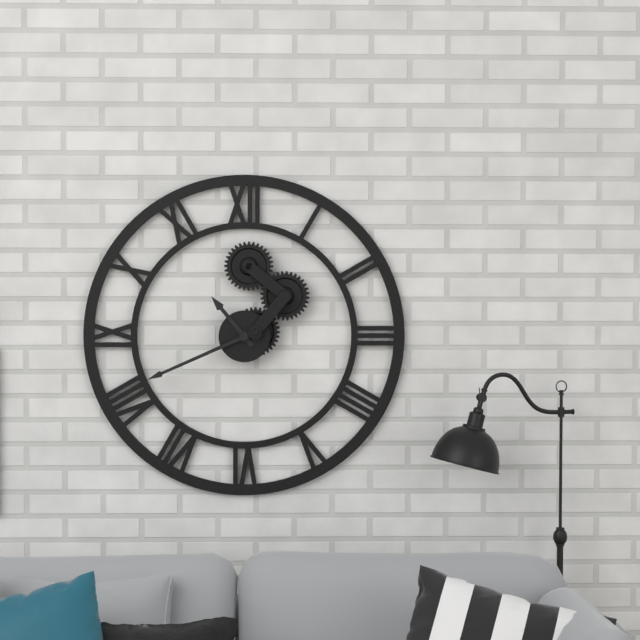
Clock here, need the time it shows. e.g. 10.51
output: 10.41
